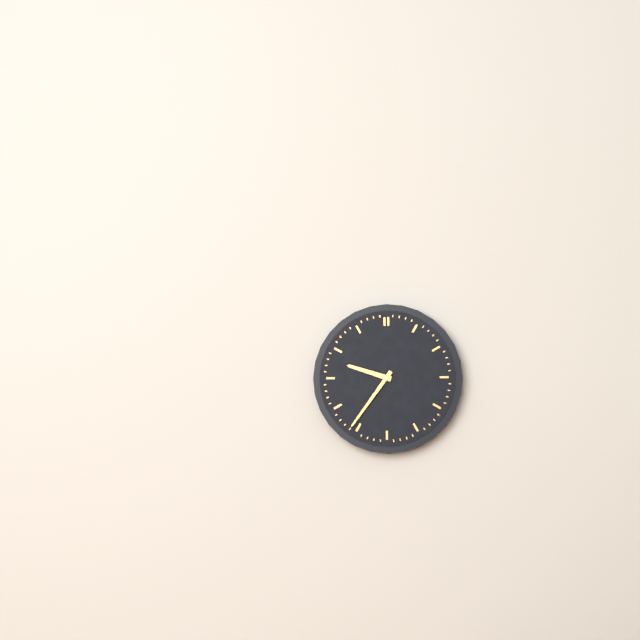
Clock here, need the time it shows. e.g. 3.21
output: 9.36
